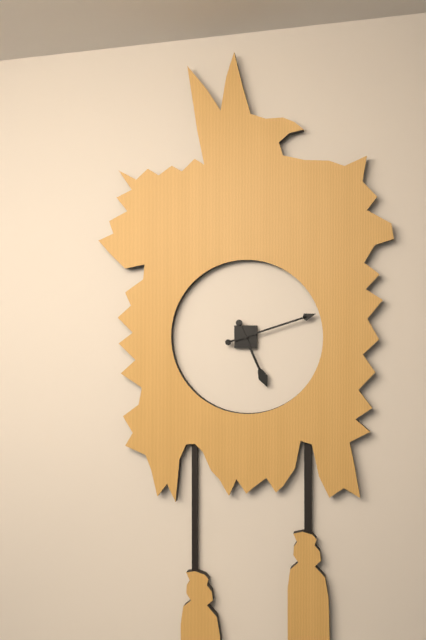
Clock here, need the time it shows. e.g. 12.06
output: 5.12
